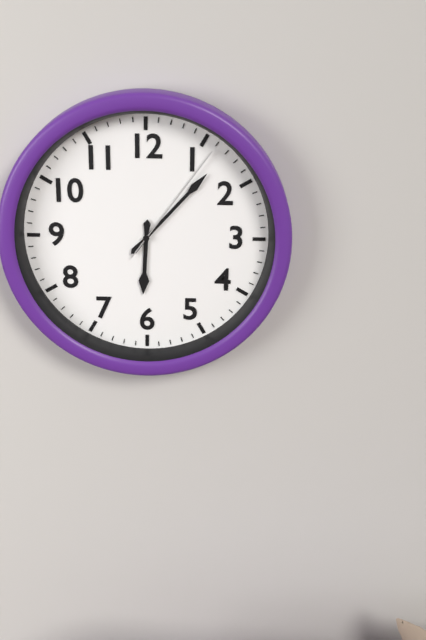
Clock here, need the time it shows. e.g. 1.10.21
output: 6.07.06
